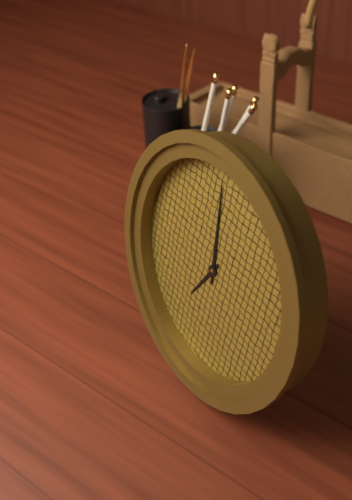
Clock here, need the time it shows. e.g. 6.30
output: 6.59
